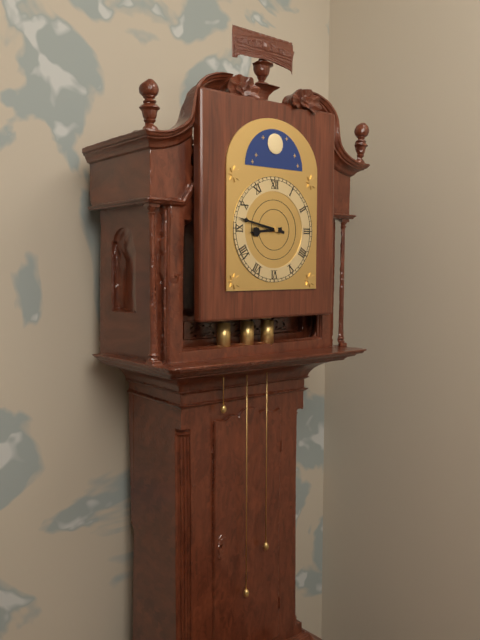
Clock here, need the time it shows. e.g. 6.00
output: 8.47
